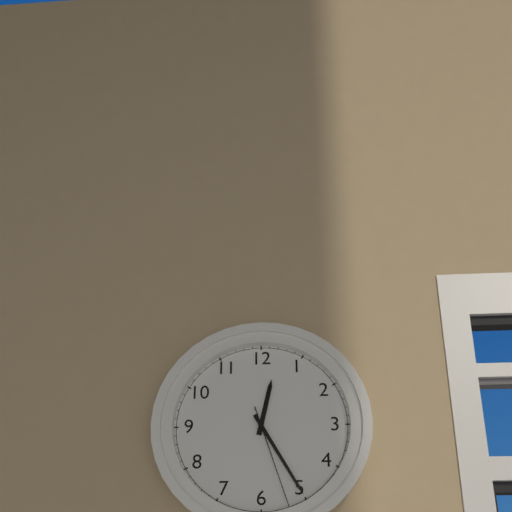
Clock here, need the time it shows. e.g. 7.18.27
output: 12.25.27
